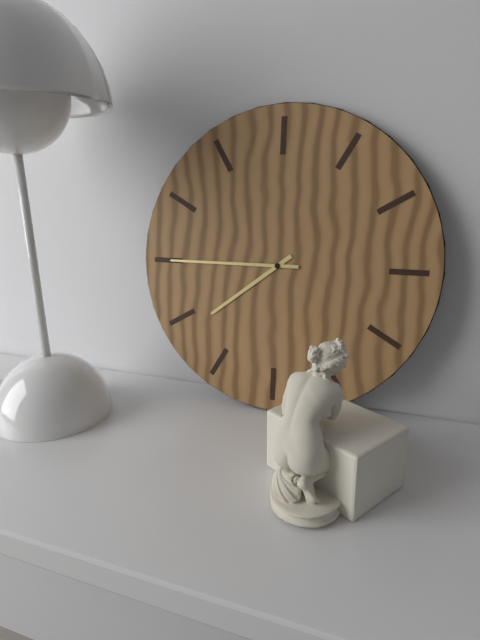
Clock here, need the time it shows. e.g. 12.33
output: 7.45
